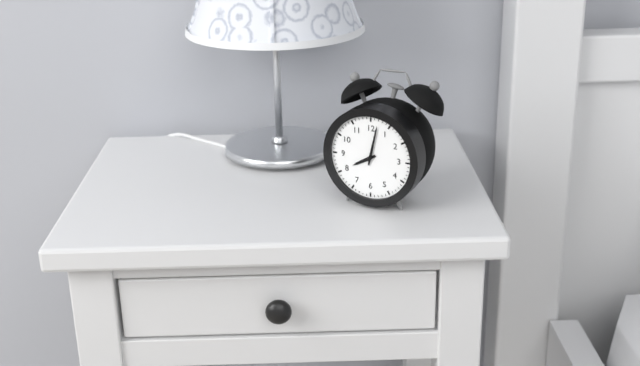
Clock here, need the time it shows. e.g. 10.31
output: 8.02
